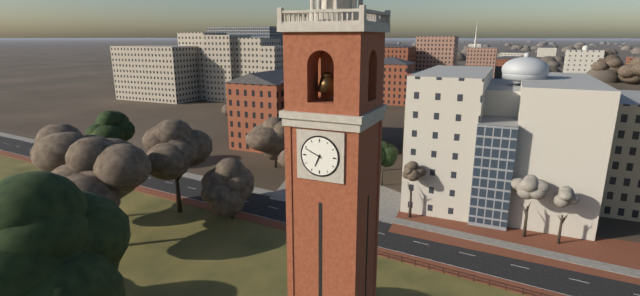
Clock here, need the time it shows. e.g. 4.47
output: 6.49
